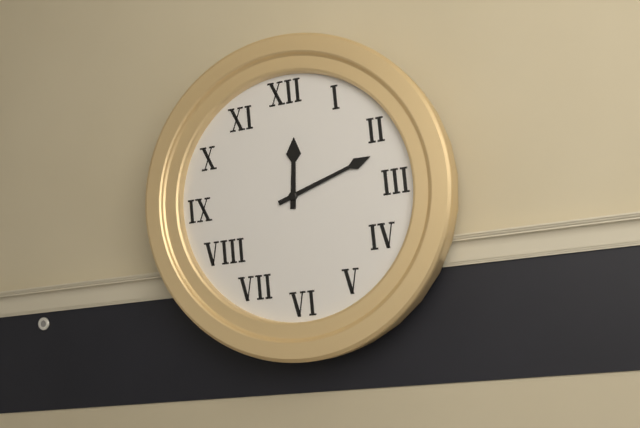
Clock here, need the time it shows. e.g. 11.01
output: 12.12
